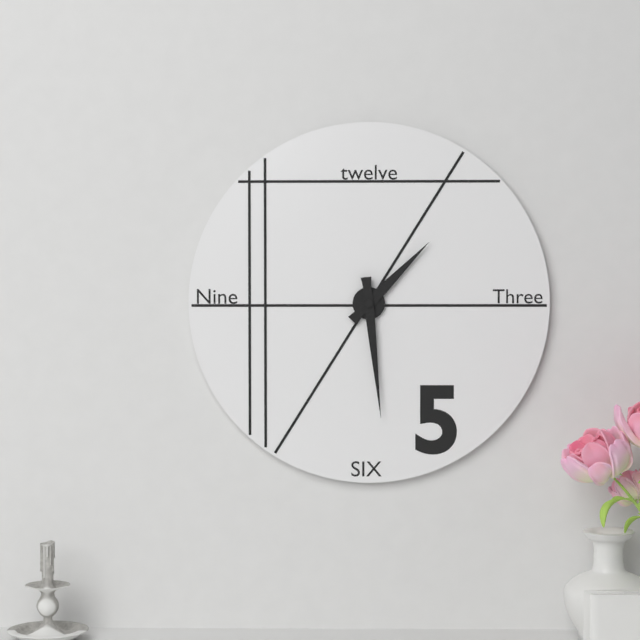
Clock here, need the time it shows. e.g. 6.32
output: 1.29
